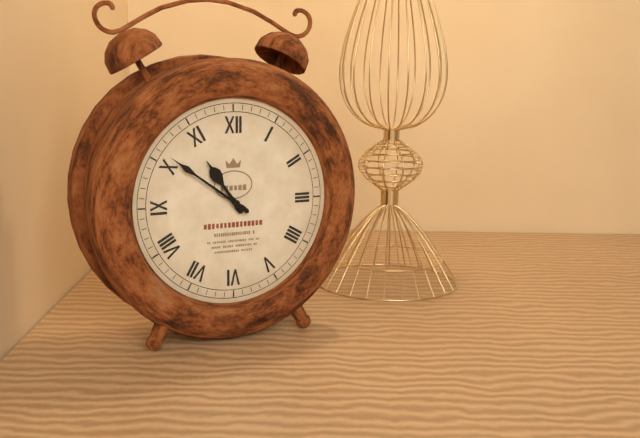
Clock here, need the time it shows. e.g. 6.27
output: 10.51
